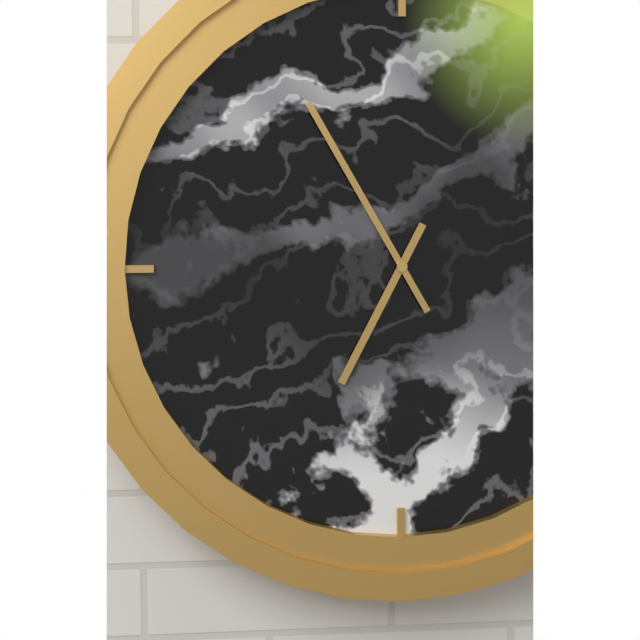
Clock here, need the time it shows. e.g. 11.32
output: 6.55
